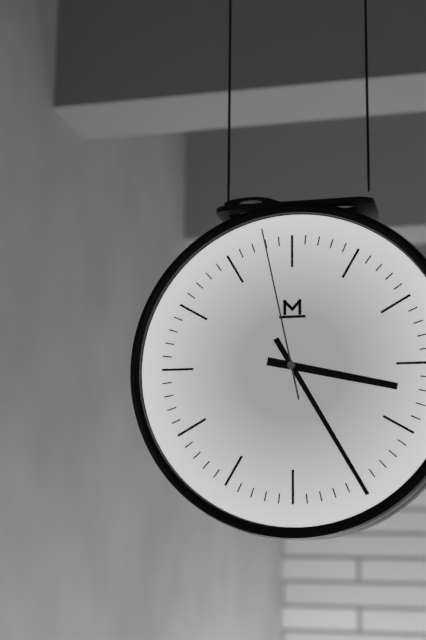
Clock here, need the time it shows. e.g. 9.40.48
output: 3.25.58
